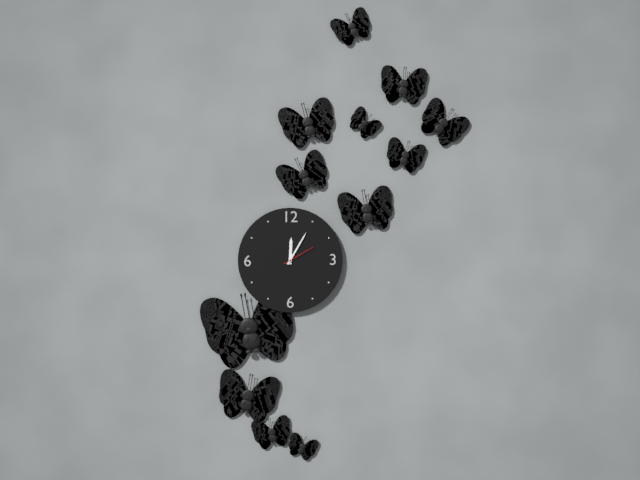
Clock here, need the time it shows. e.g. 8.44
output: 12.05
